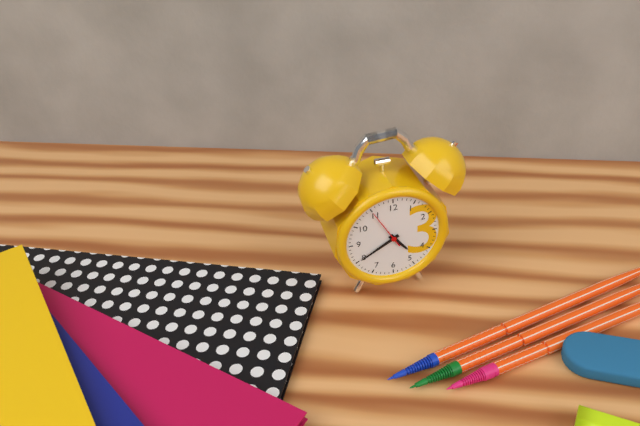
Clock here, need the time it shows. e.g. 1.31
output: 4.40
